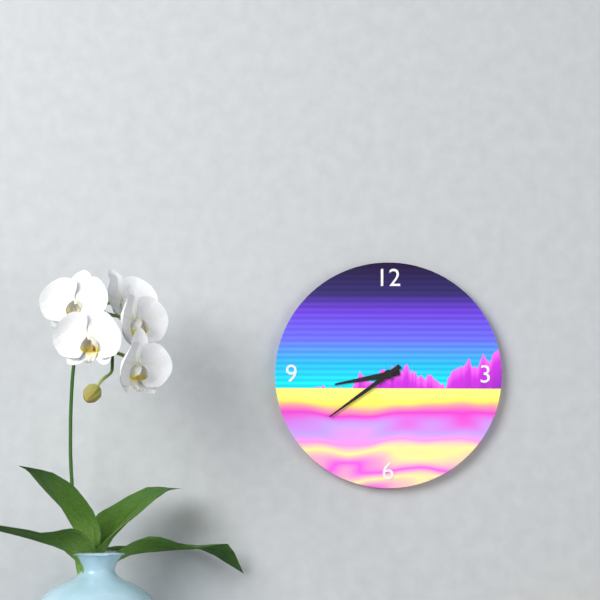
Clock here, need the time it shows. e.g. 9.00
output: 8.39
